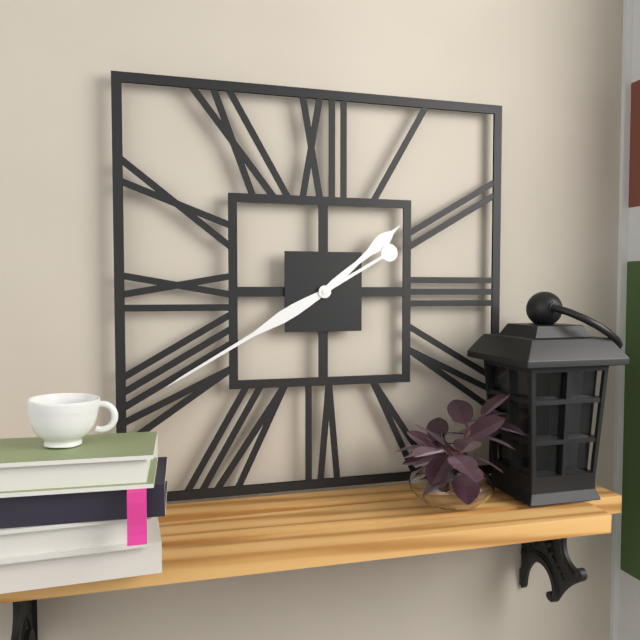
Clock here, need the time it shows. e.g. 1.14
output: 1.40
